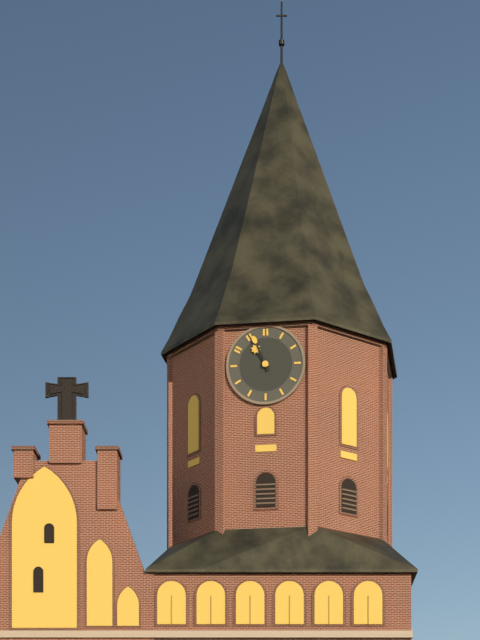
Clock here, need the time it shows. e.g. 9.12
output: 10.56
